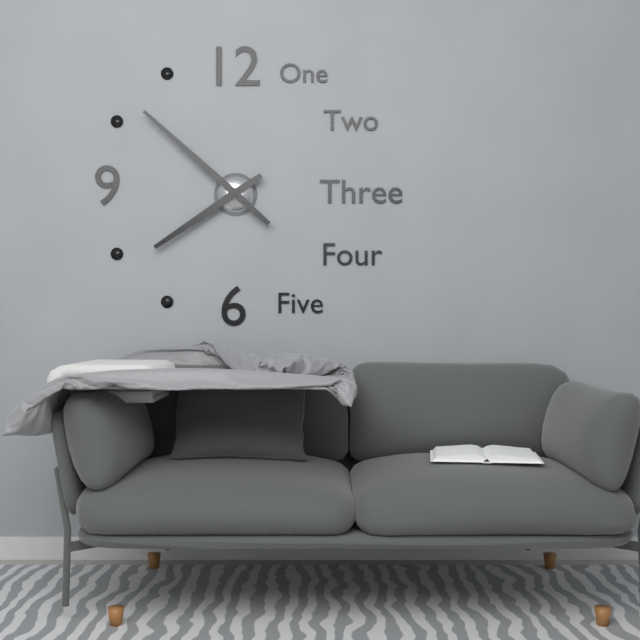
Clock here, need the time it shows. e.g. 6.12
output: 7.52
